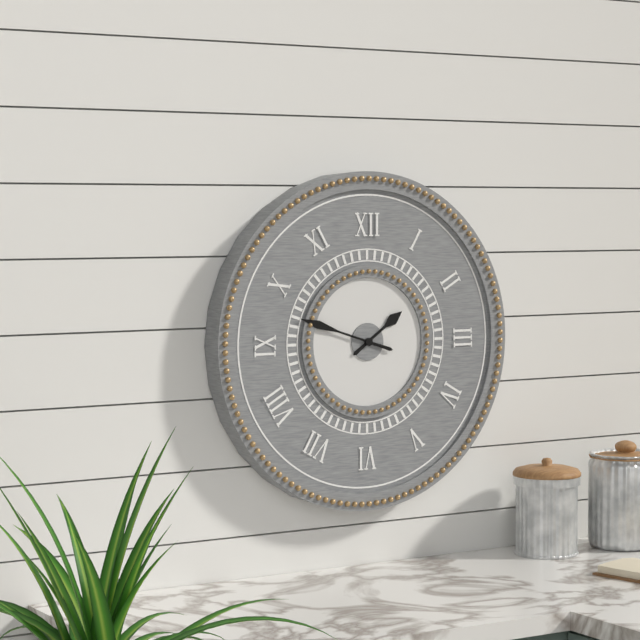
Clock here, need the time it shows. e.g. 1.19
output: 1.48
